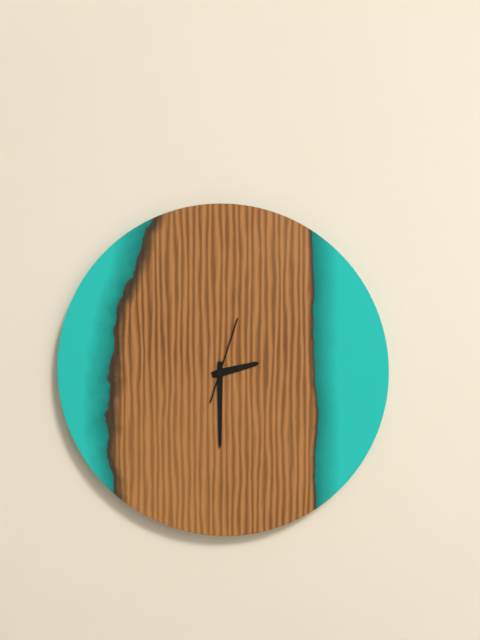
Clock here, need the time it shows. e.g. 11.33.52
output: 2.30.03
